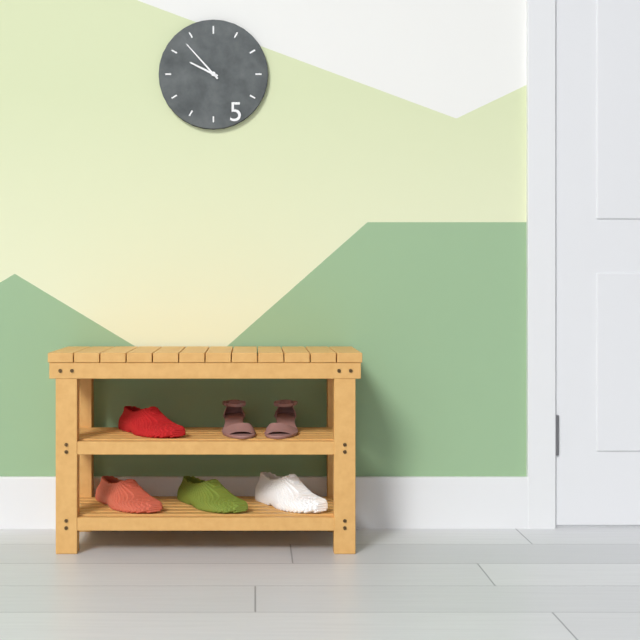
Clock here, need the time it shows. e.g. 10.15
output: 9.53
